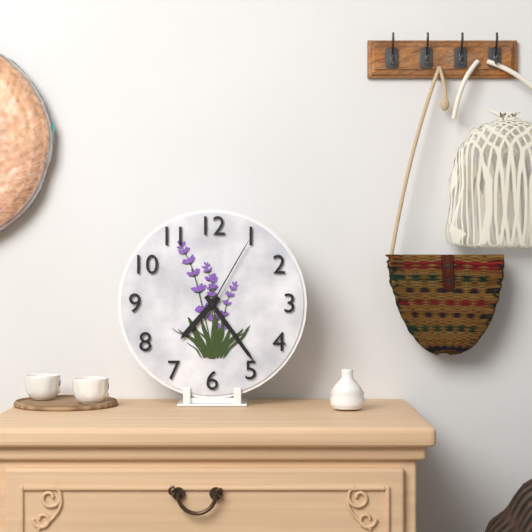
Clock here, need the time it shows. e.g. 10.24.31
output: 7.24.05
